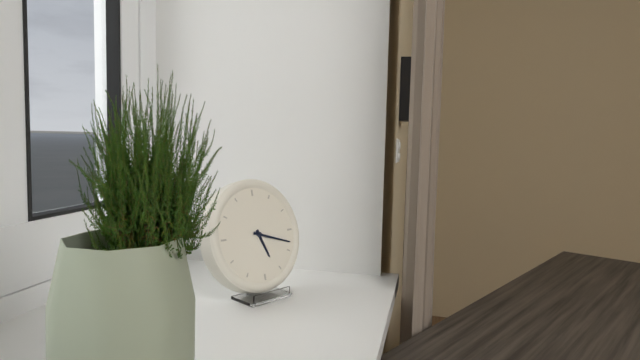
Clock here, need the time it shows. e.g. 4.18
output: 5.18
